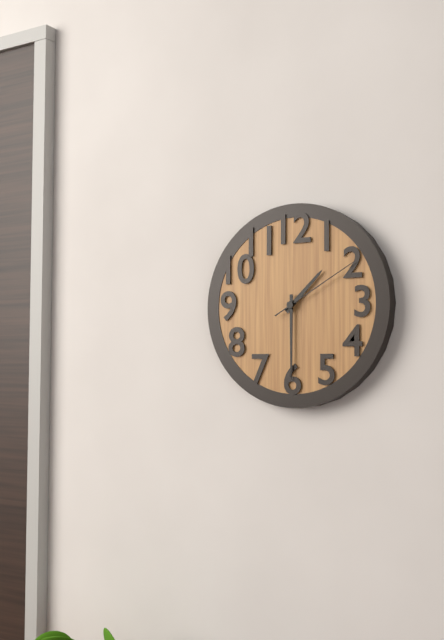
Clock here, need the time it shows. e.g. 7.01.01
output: 1.30.10
